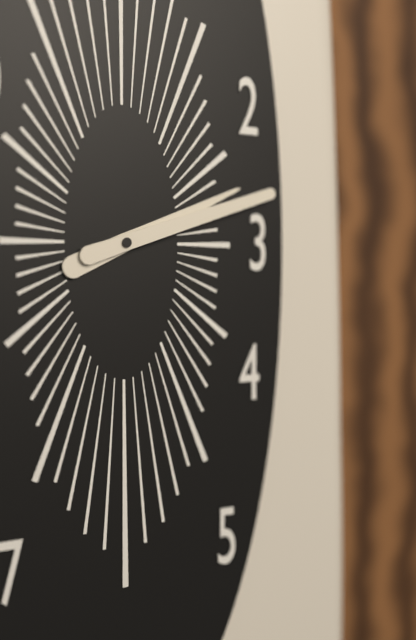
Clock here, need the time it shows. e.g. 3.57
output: 2.12
